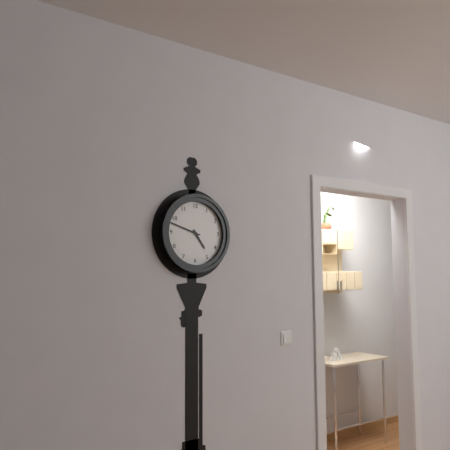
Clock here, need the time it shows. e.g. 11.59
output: 4.48
